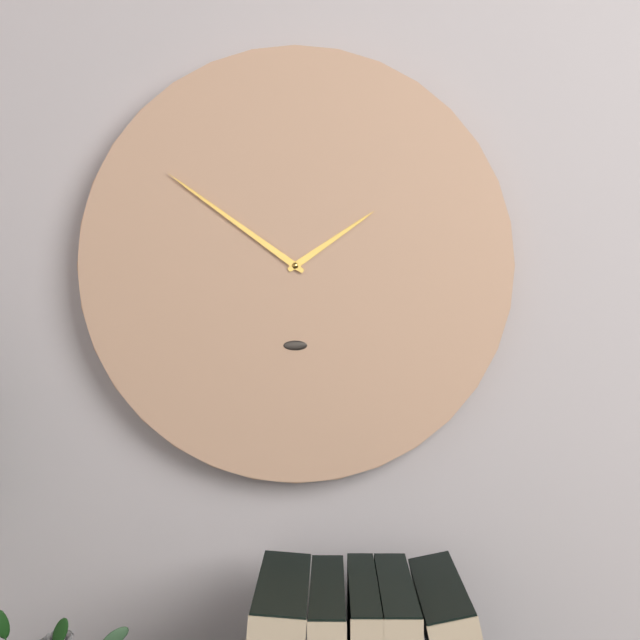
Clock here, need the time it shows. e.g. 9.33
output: 1.51
